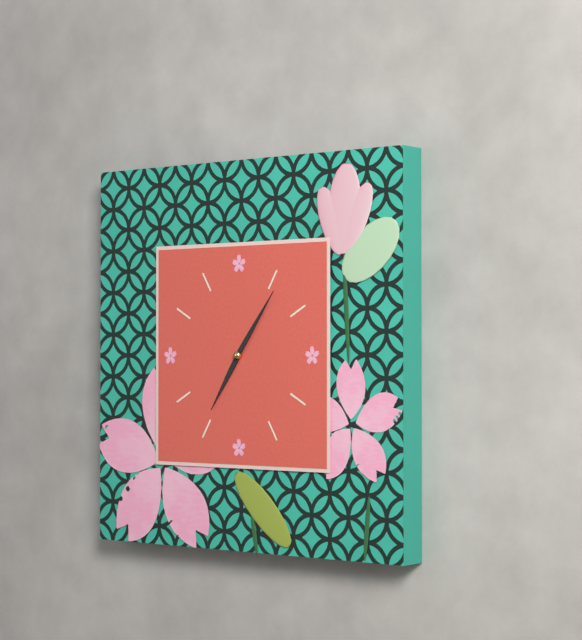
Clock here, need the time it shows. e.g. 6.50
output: 7.06
